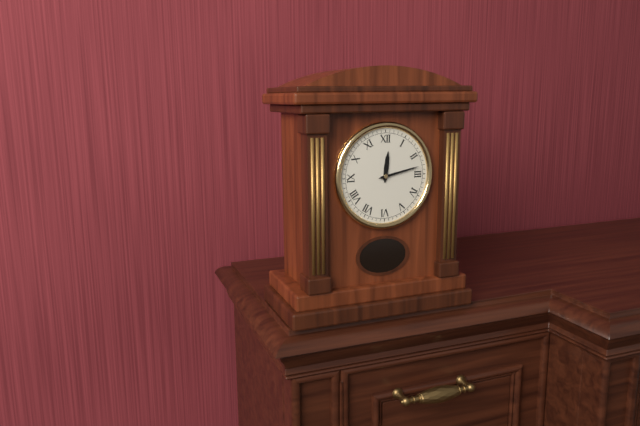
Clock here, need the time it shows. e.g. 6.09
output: 12.13
